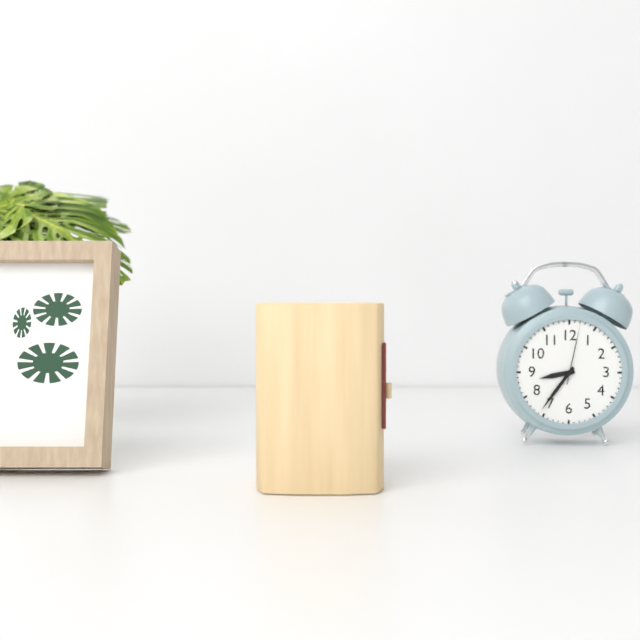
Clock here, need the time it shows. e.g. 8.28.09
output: 8.36.02
